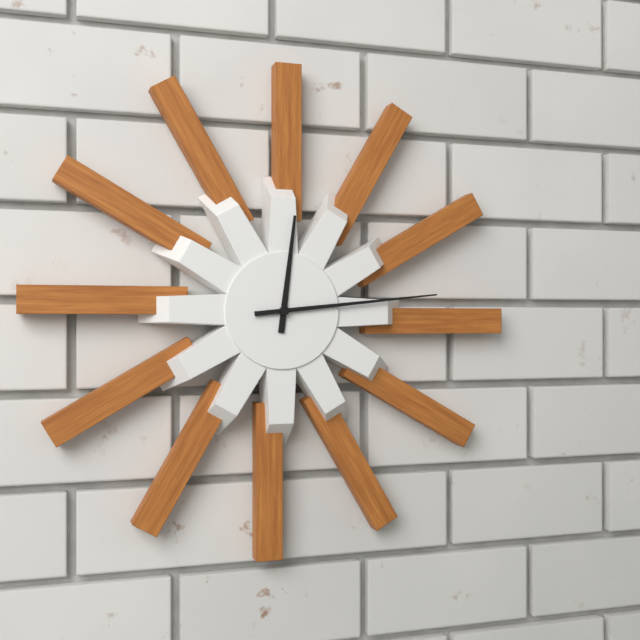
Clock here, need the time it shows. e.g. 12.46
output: 12.14
